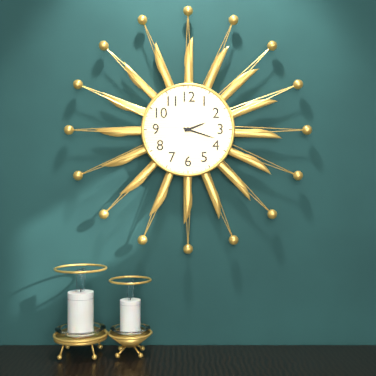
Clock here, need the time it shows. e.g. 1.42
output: 2.18
